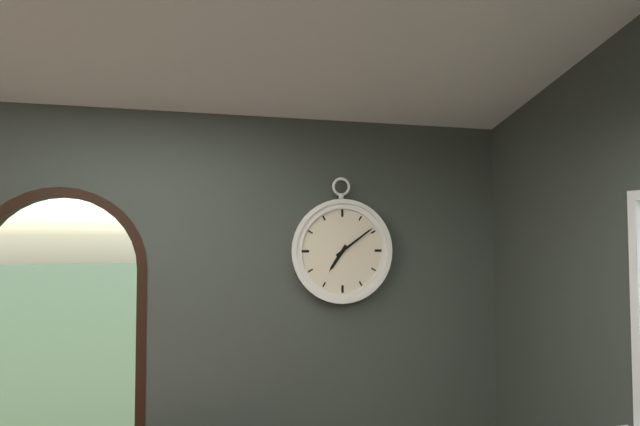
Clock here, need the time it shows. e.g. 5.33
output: 7.09
